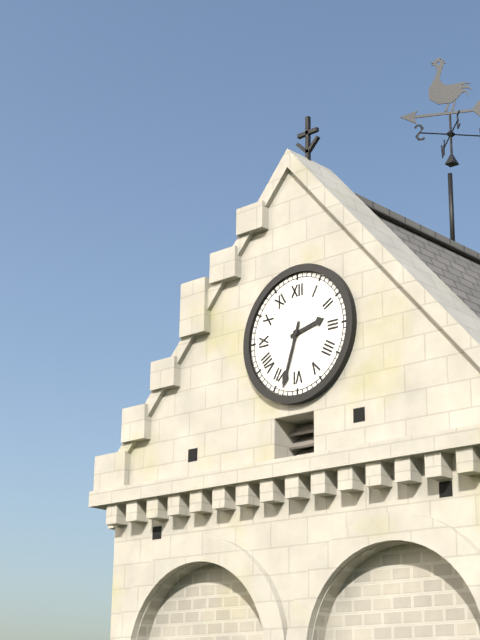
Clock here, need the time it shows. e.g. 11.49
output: 2.33
